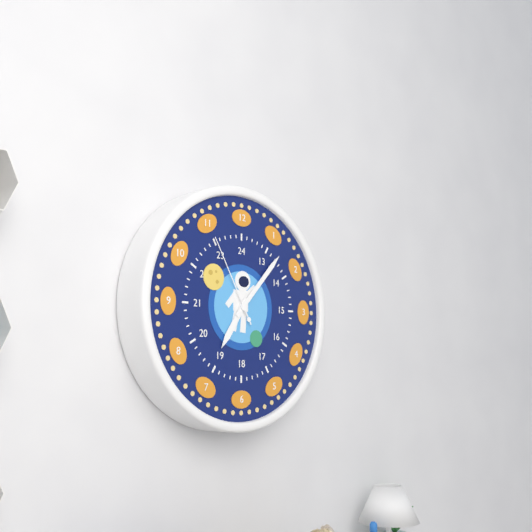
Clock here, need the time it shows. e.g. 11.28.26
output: 7.07.55
